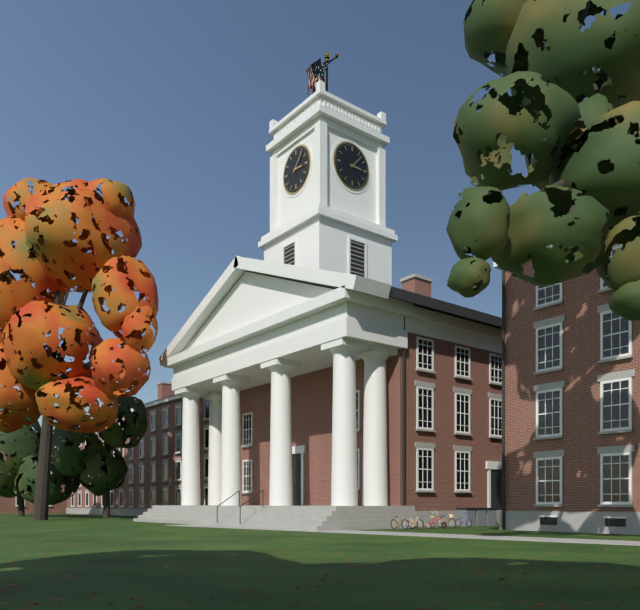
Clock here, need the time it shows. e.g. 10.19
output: 3.07
